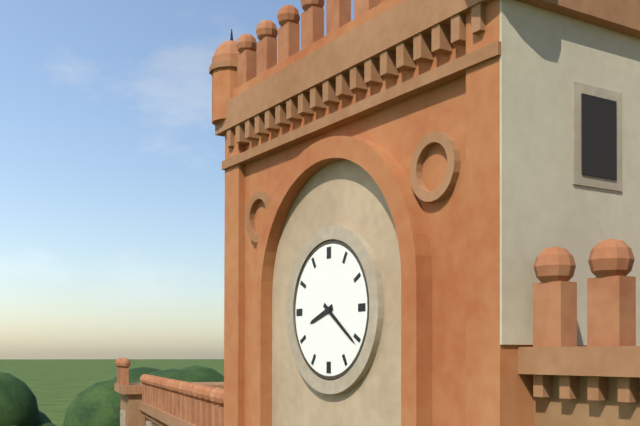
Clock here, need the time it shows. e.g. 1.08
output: 8.21
